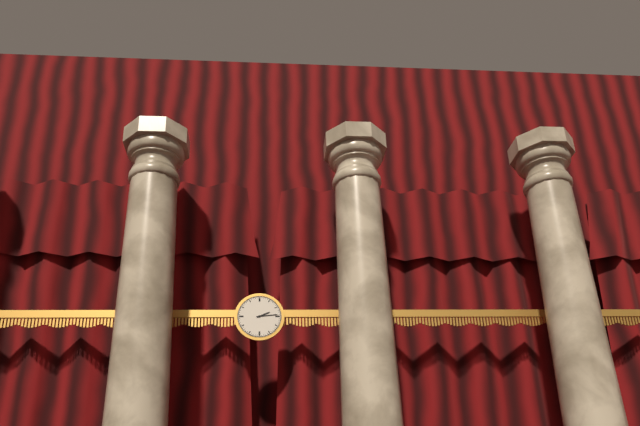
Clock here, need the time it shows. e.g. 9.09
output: 2.14
